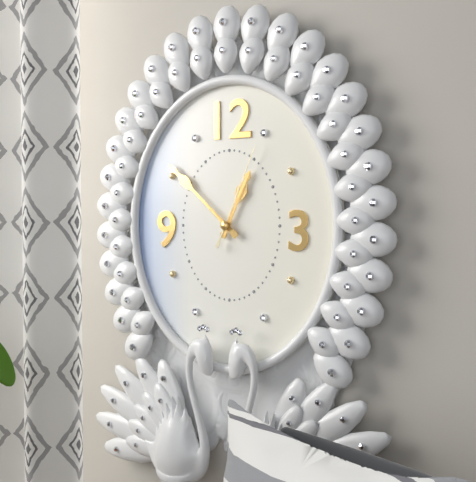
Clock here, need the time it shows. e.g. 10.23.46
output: 12.52.04
